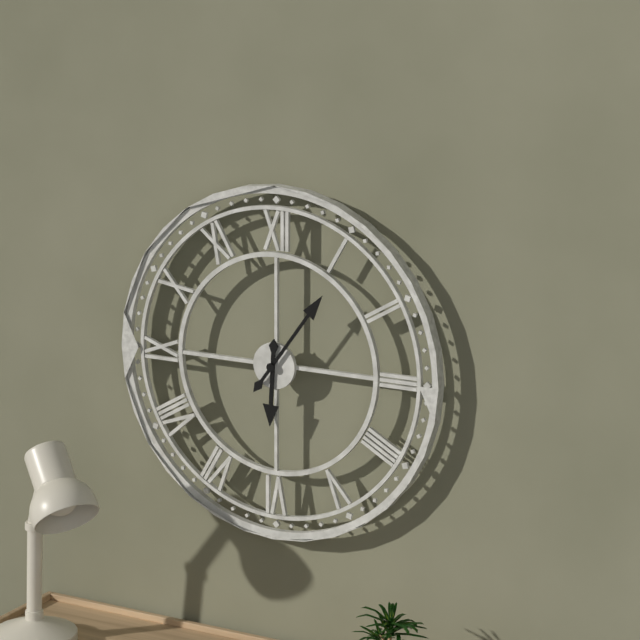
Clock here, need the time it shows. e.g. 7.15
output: 6.06
